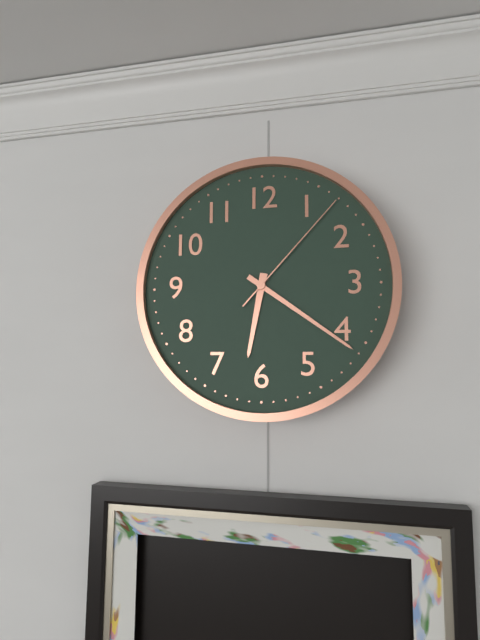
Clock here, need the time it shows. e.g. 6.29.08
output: 6.21.07
